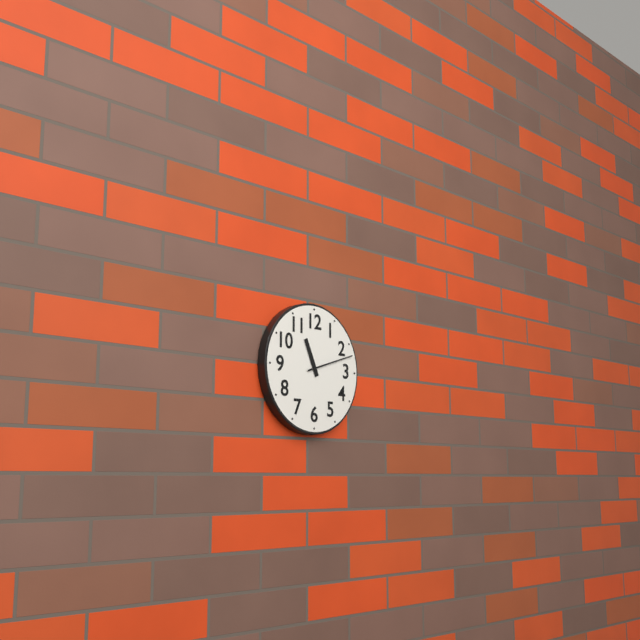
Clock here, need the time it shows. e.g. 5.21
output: 11.12
